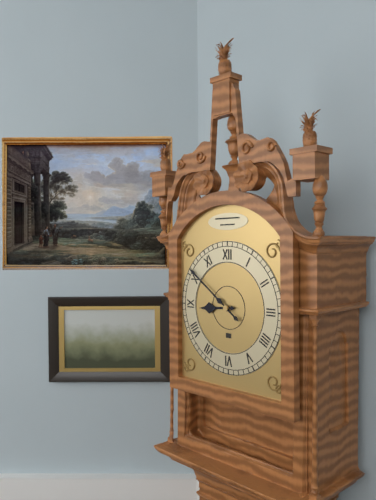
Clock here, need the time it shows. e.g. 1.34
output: 8.51
